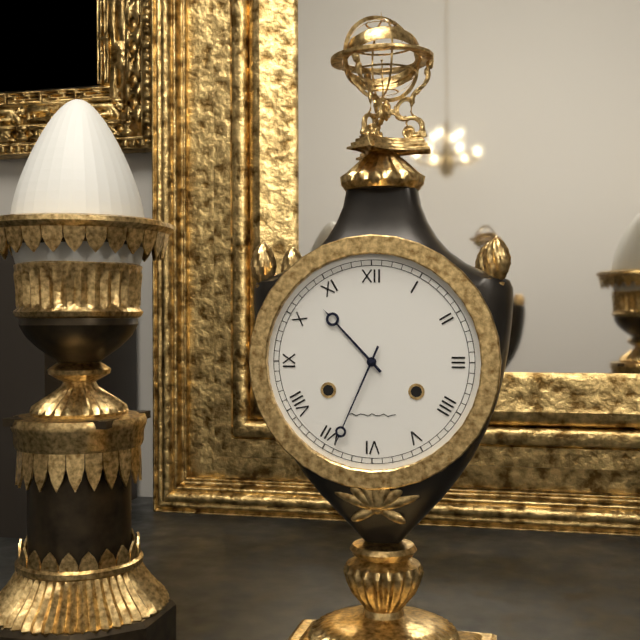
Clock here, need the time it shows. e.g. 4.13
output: 10.34
